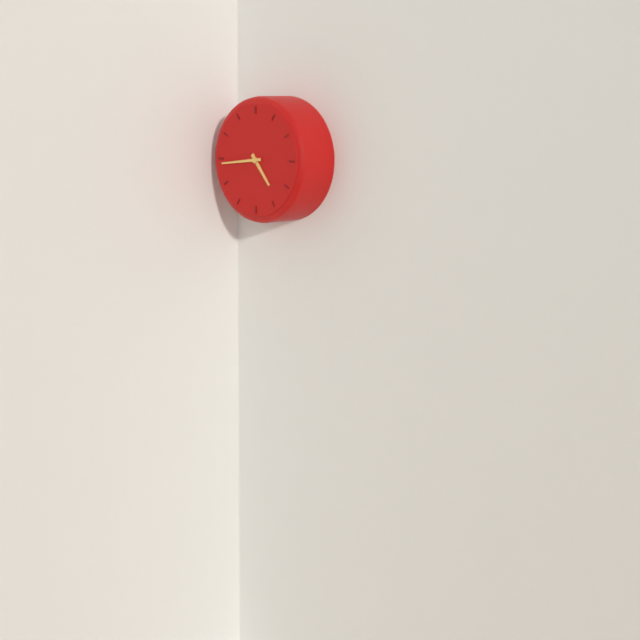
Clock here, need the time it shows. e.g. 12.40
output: 4.44
